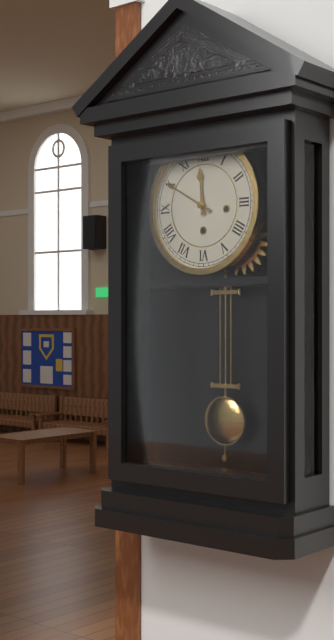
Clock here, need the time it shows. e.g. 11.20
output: 11.50
